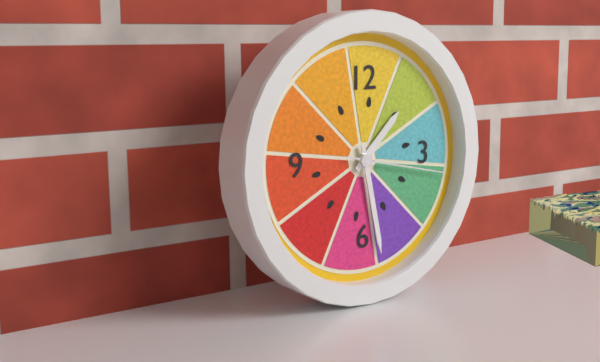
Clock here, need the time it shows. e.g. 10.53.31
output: 1.28.17
